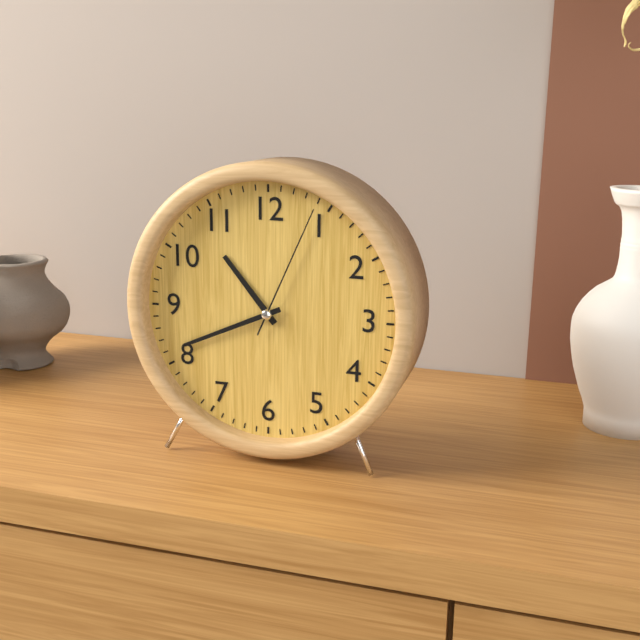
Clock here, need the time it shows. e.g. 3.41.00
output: 10.41.04
